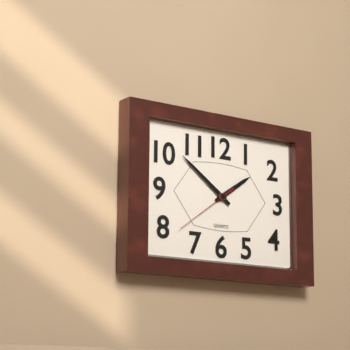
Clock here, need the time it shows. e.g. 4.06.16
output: 1.51.39
